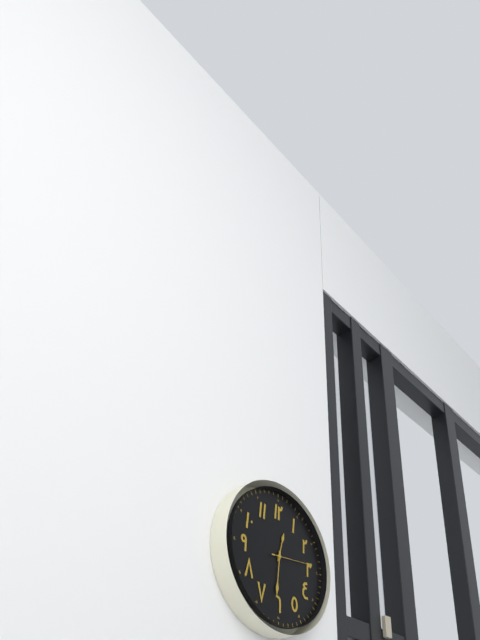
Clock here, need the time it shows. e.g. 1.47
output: 12.31
